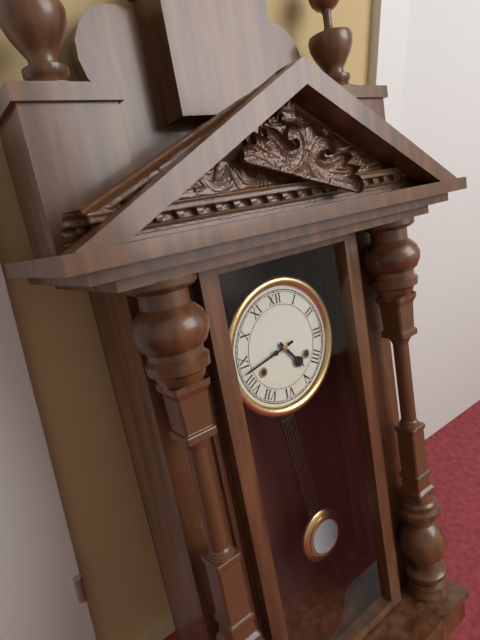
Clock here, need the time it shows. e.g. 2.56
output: 4.43
